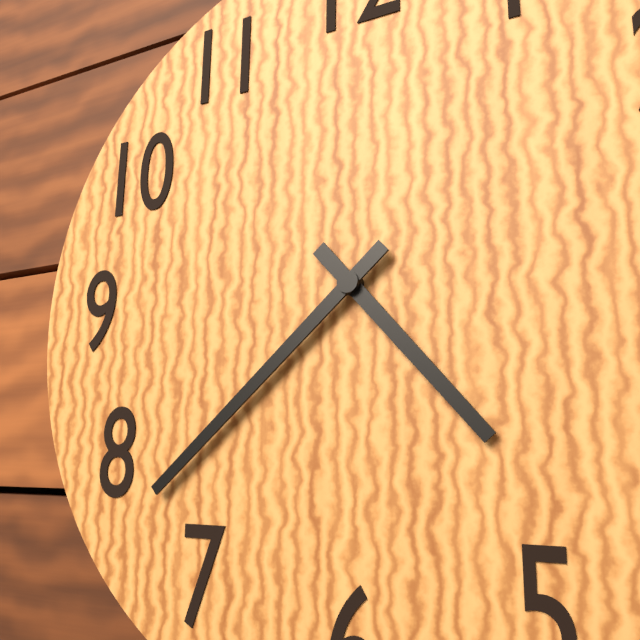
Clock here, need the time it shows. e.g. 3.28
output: 4.38
